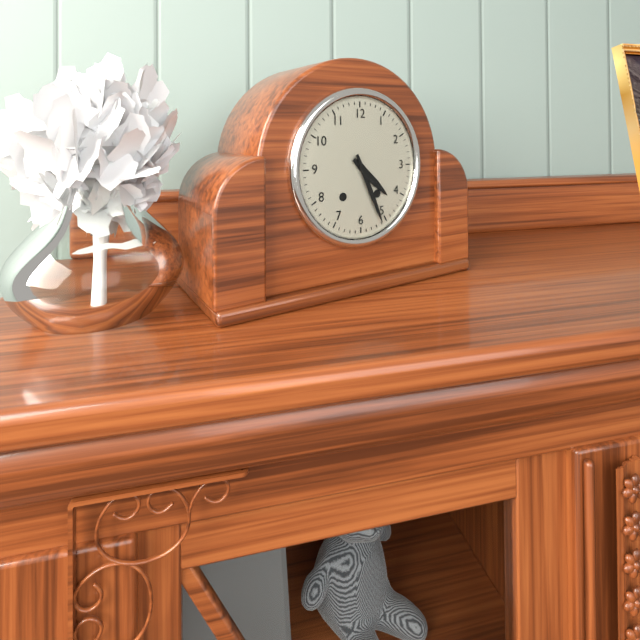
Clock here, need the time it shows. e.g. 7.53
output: 4.26
